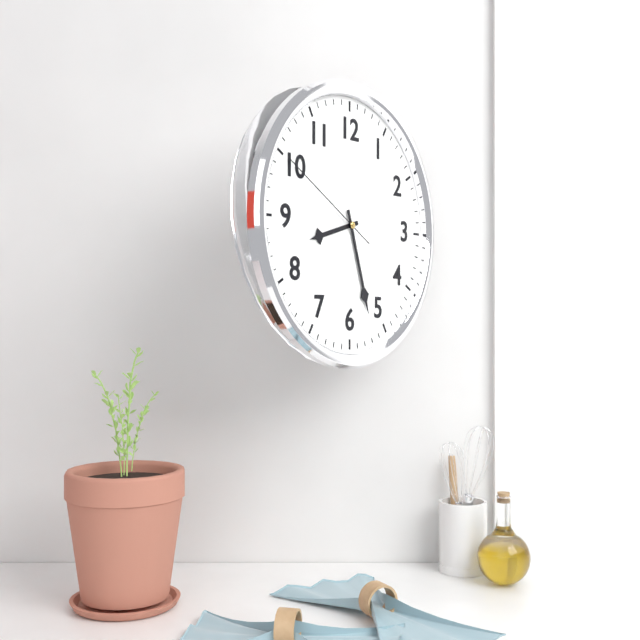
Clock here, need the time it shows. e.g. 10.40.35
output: 8.27.50
